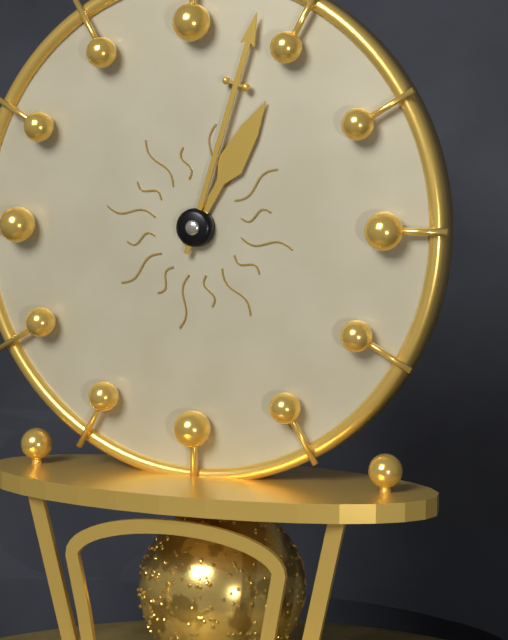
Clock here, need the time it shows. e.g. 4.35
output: 1.03
